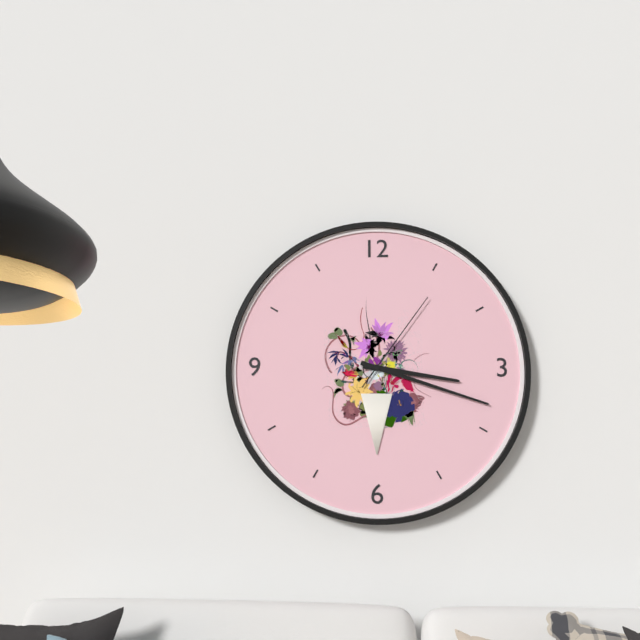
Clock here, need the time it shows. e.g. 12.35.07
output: 3.18.06
